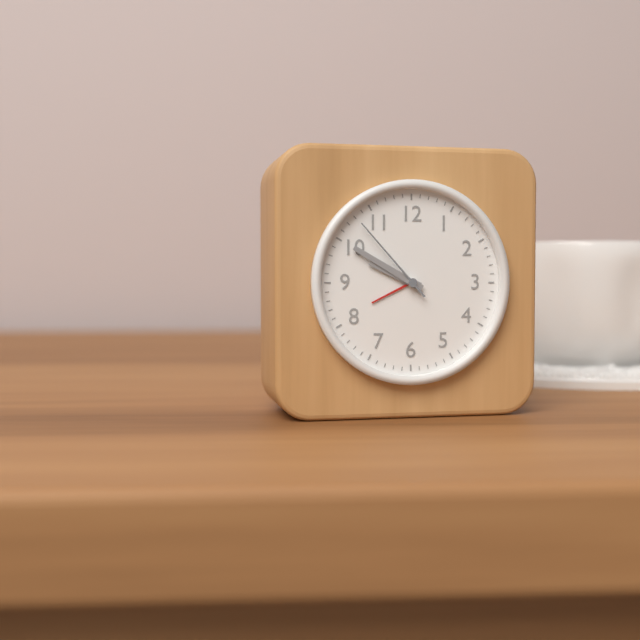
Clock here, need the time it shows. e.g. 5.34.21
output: 9.50.53
